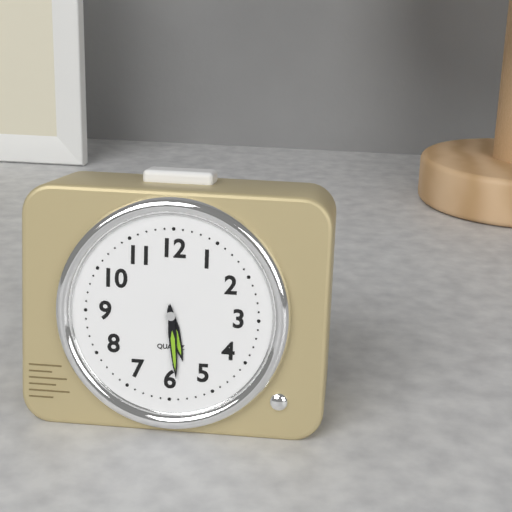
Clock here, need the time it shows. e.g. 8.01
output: 5.29
